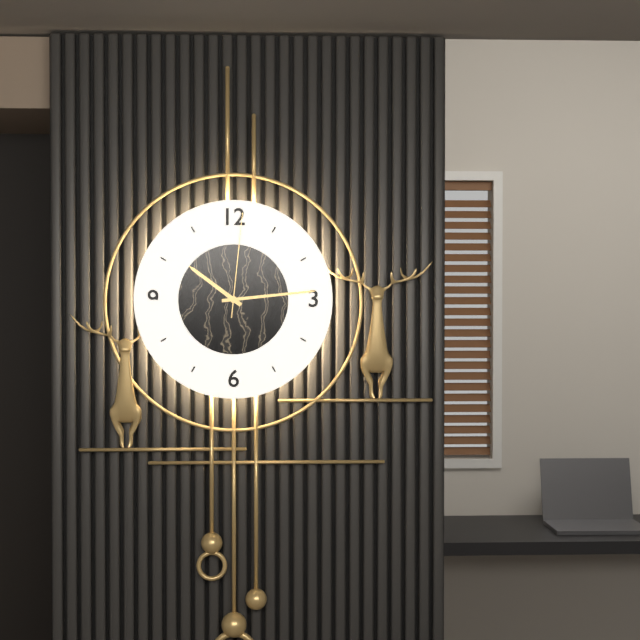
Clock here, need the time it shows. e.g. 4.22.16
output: 10.14.01
